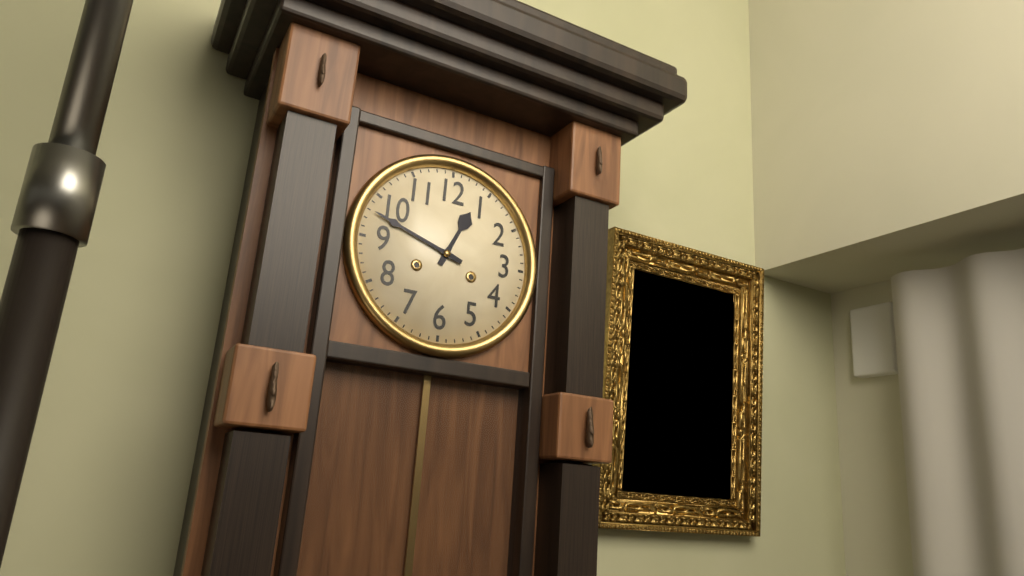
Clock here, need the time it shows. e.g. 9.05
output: 12.48
